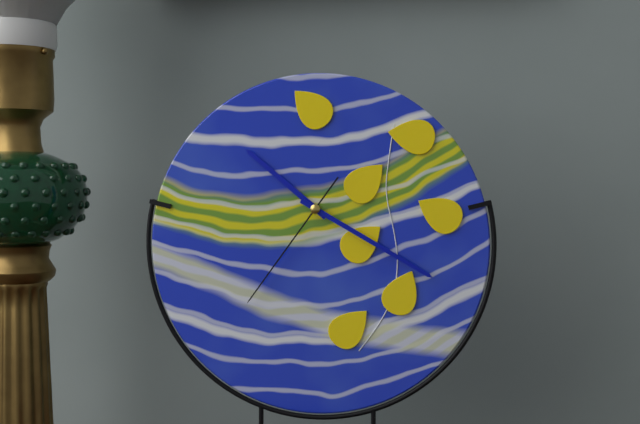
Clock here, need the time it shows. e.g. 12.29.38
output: 10.20.36
